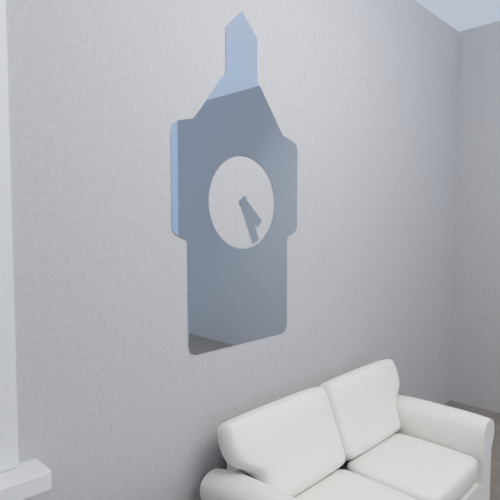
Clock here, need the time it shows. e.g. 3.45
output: 4.26
